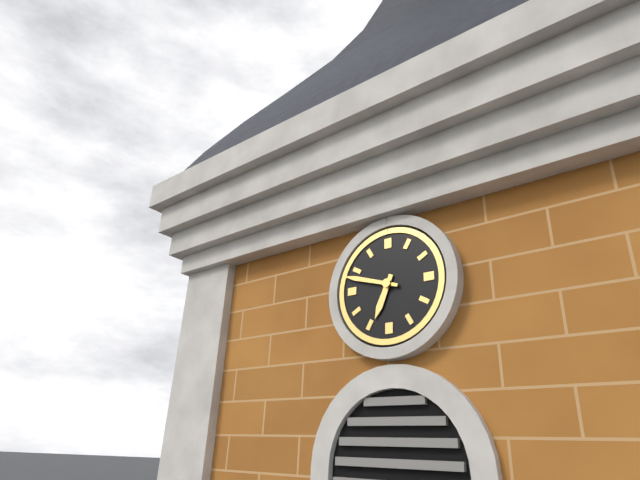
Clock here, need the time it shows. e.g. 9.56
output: 6.48
